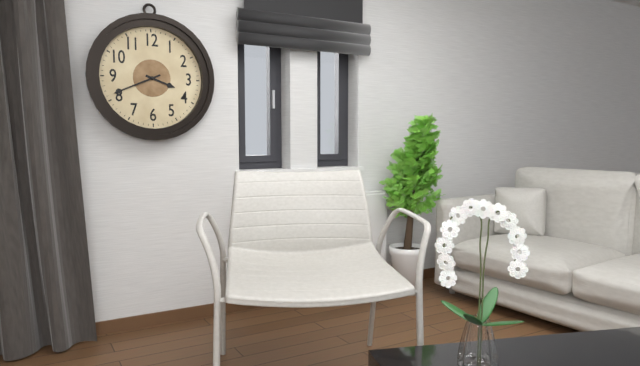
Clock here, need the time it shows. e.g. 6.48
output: 3.41
